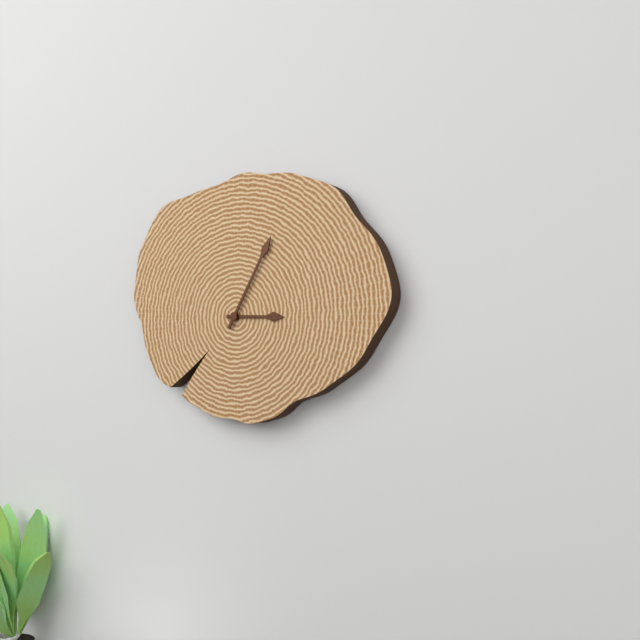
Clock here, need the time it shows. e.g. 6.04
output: 3.05
